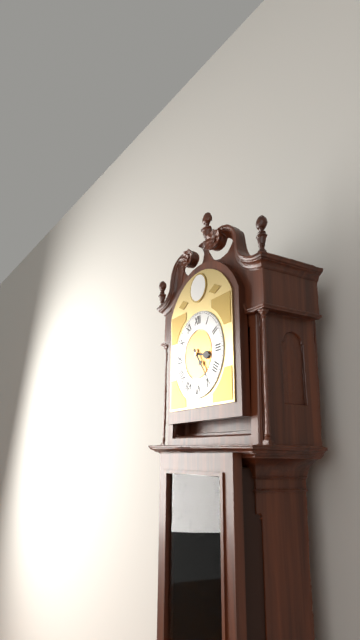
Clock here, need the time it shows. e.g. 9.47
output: 3.24
